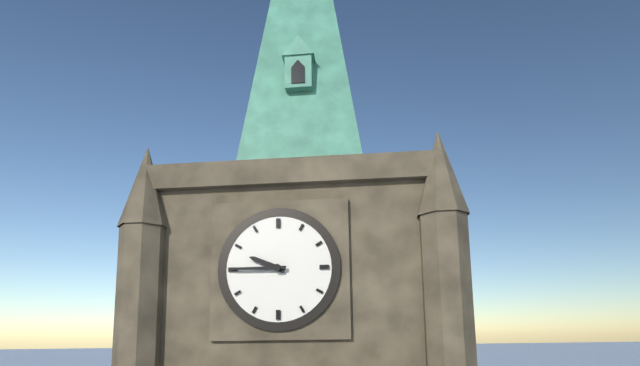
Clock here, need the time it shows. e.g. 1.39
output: 9.45
